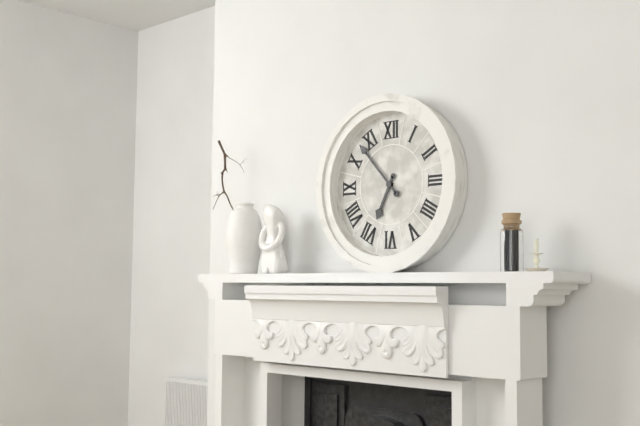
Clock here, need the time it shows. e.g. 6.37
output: 6.53
